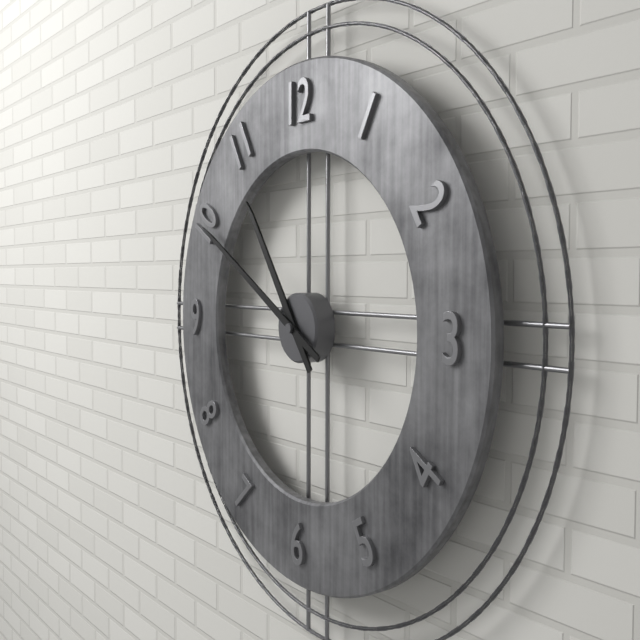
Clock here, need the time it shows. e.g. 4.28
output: 10.50
